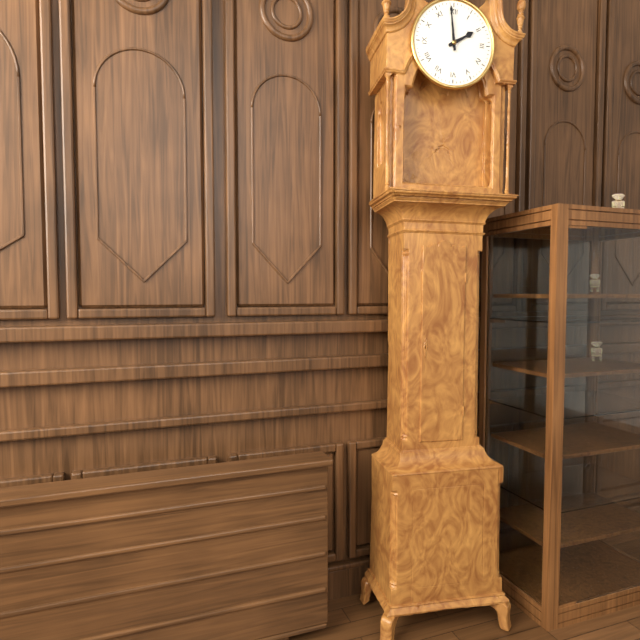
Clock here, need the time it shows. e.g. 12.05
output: 1.59
